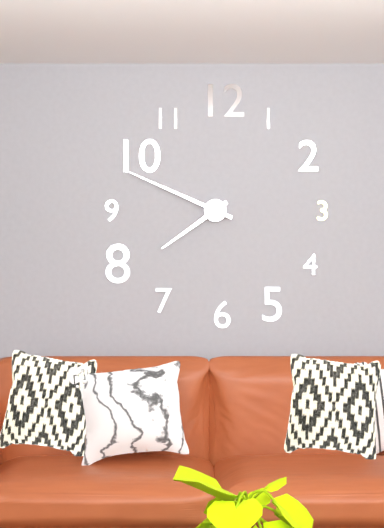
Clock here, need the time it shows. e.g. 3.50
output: 7.49
